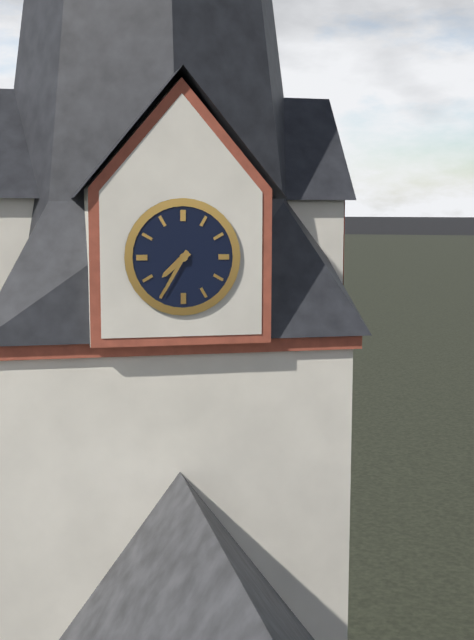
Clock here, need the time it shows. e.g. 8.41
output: 7.35
